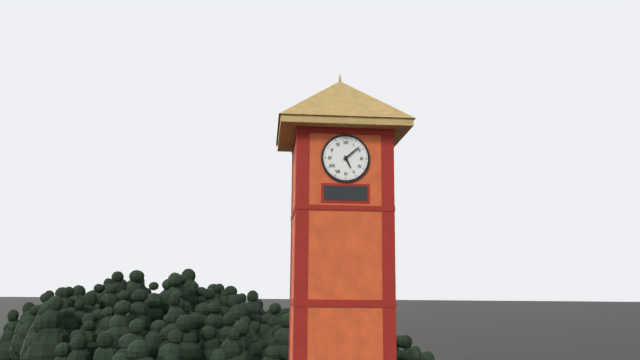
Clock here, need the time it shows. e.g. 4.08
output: 5.08
